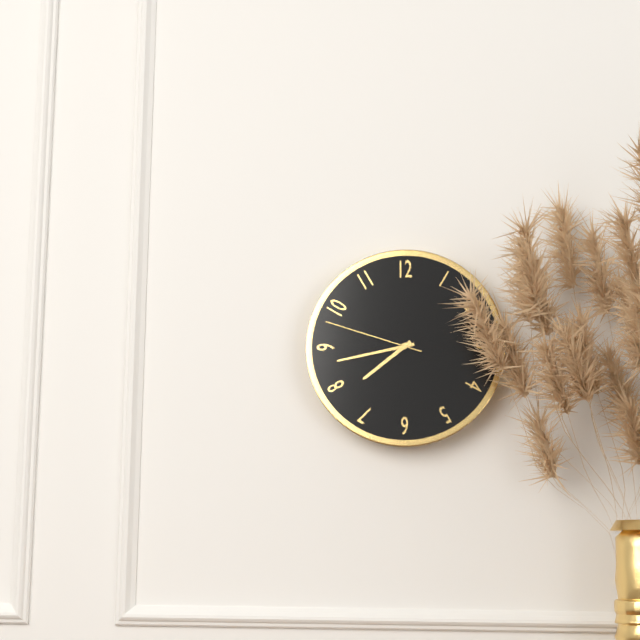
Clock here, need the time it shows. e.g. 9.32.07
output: 7.43.48
